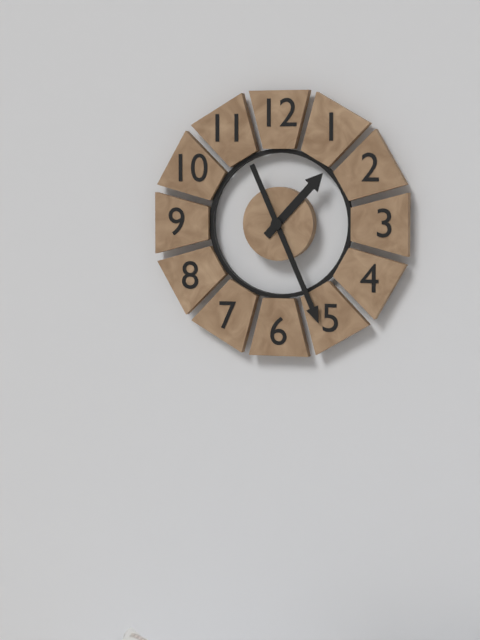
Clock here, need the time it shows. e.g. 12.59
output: 1.26
